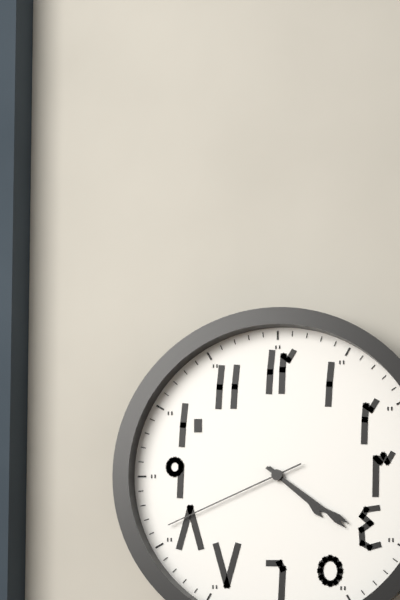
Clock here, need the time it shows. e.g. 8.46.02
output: 4.21.41
